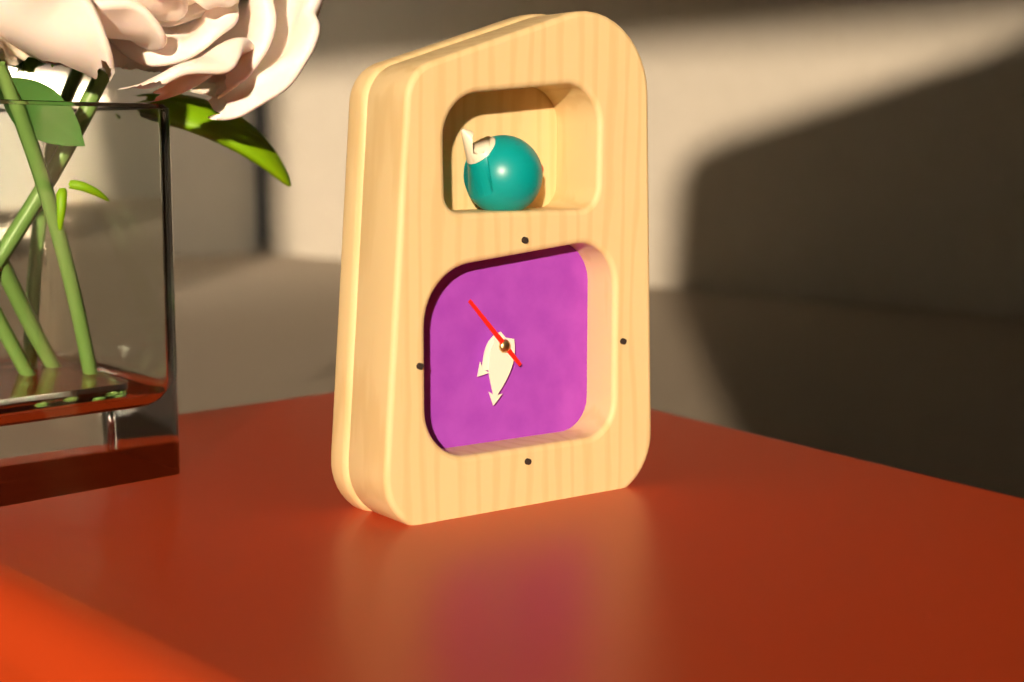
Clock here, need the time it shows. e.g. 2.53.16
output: 7.32.53
